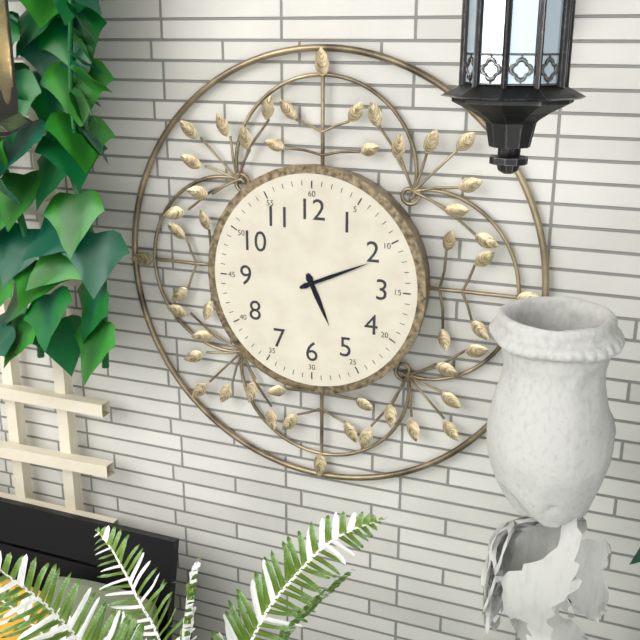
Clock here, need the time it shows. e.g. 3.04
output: 5.11
